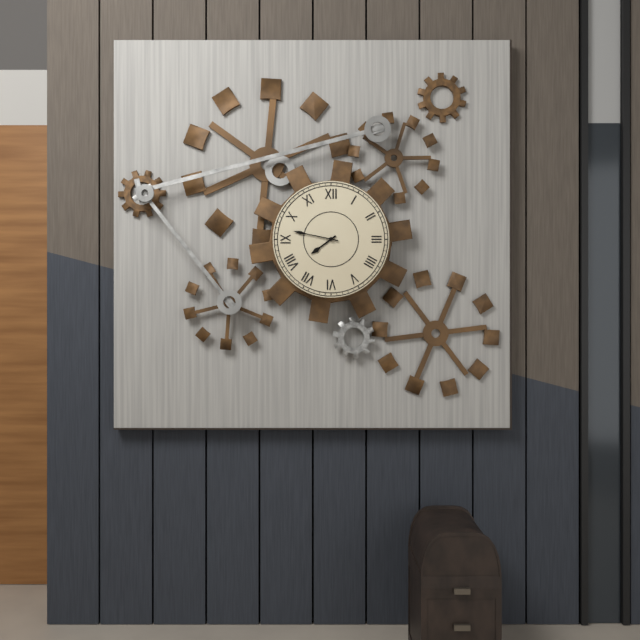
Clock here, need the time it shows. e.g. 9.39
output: 7.47
